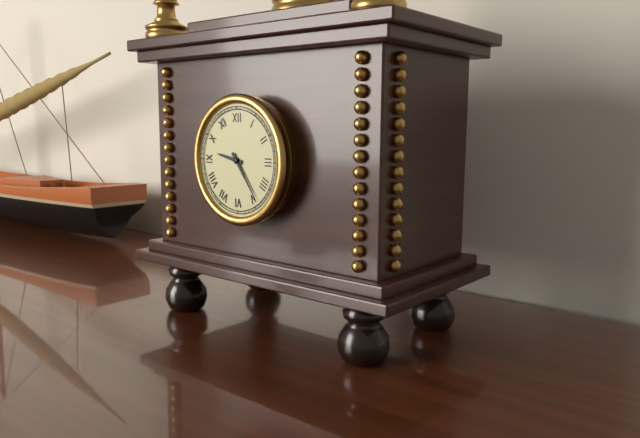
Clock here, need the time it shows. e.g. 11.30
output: 9.24
